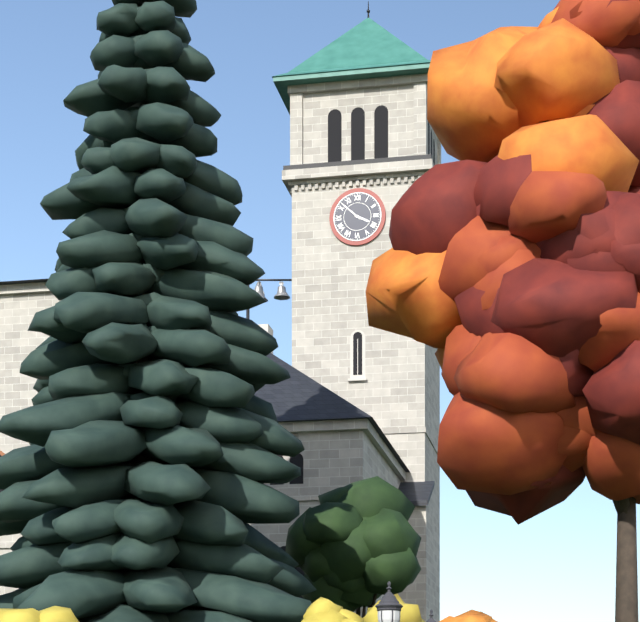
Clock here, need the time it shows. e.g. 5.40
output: 3.52
